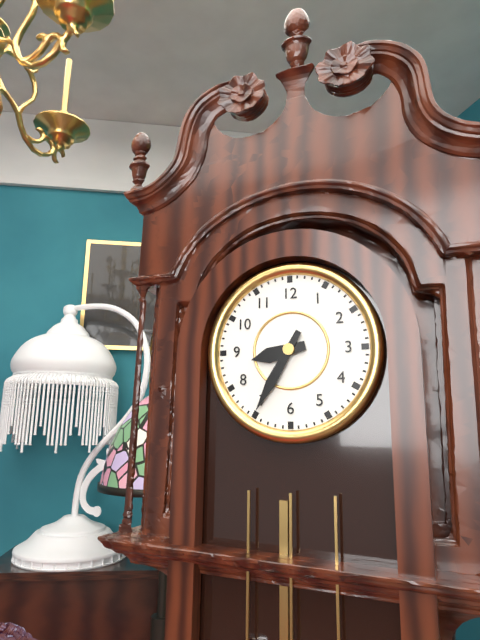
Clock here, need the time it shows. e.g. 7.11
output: 8.35
